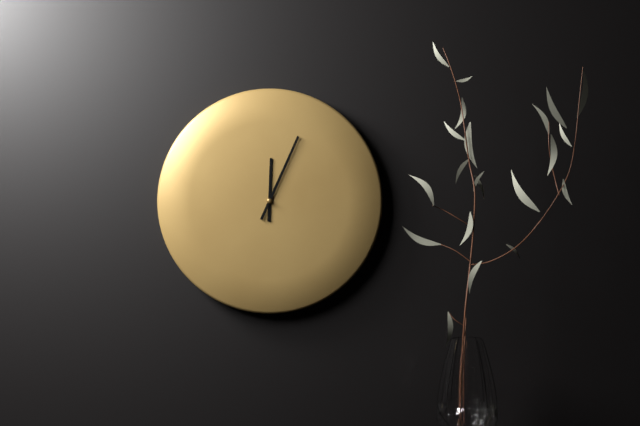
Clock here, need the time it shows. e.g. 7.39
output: 12.04
